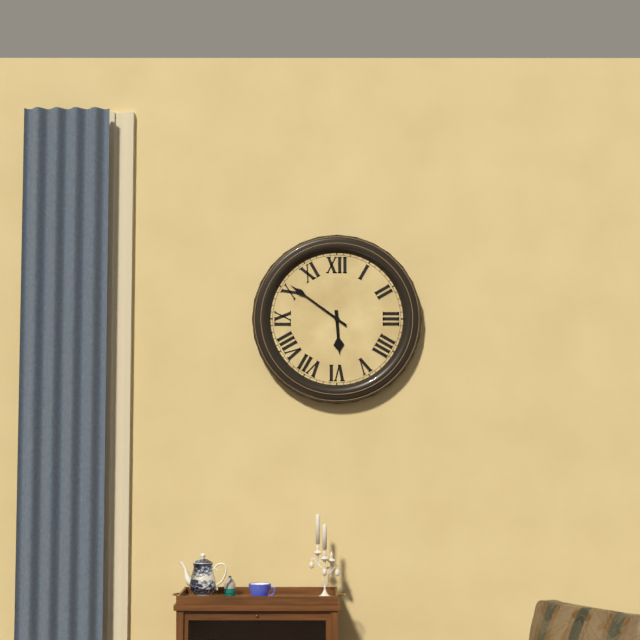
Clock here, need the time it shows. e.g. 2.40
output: 5.51
